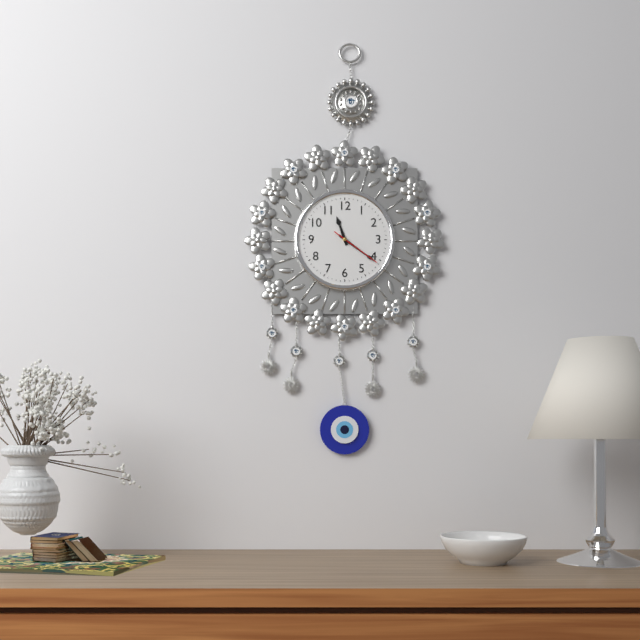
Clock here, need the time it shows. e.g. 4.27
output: 11.21
